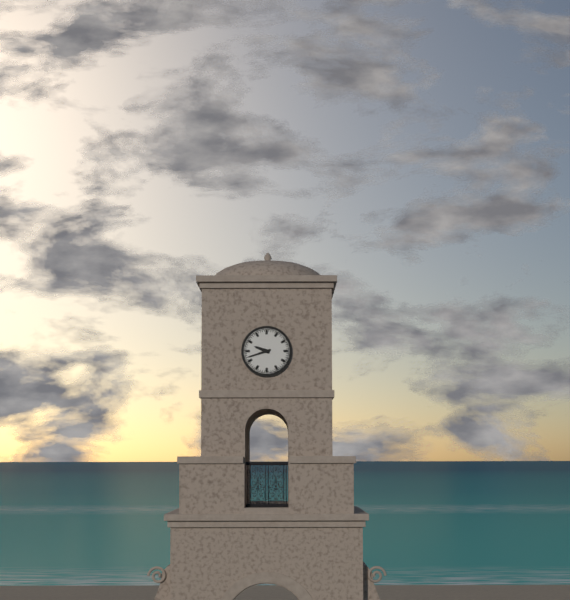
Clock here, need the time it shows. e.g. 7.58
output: 9.42
